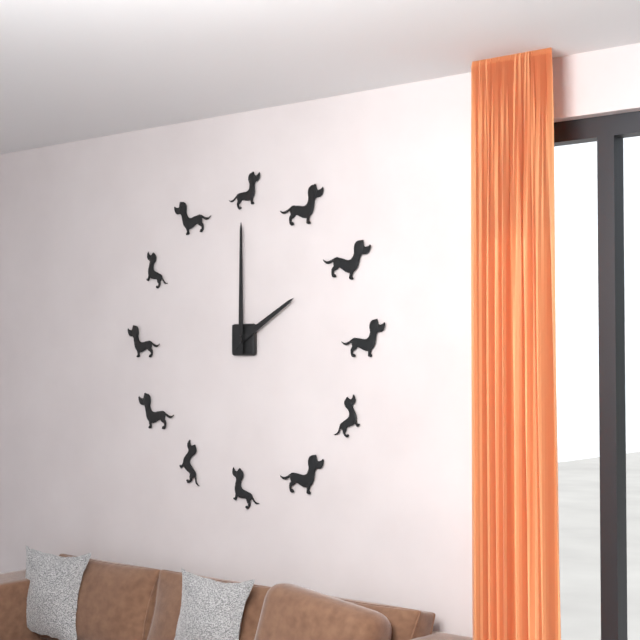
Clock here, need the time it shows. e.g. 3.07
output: 2.00
